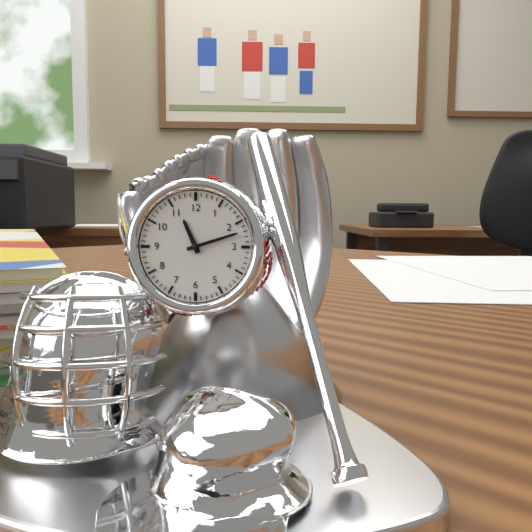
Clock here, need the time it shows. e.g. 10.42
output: 11.12
